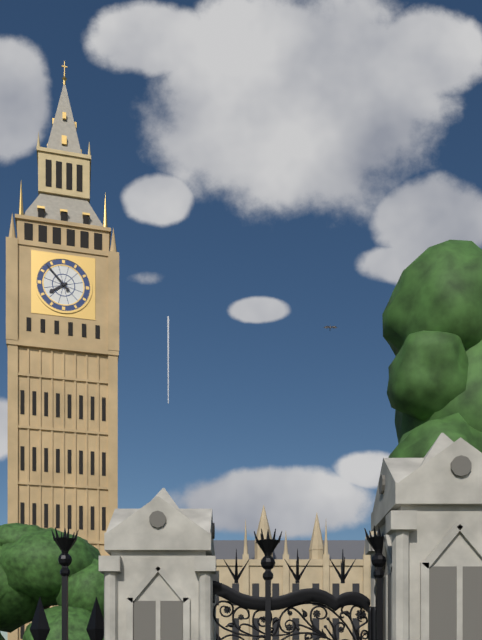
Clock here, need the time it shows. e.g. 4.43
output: 7.53
